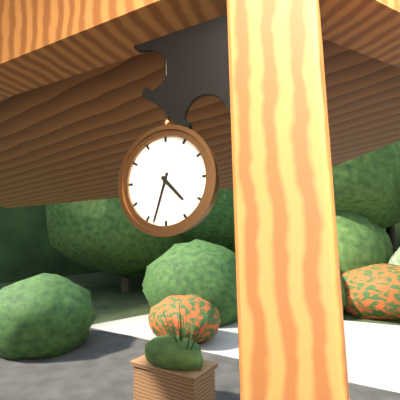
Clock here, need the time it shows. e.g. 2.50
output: 4.33
